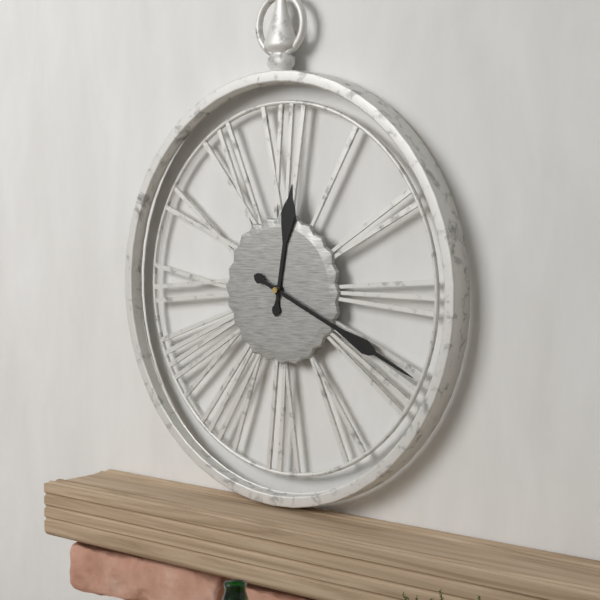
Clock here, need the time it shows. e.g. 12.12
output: 12.19
